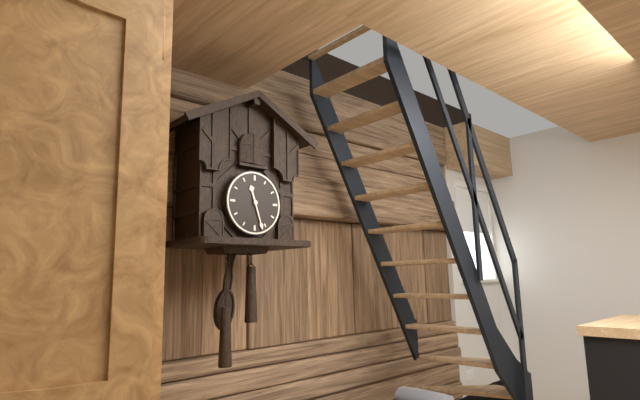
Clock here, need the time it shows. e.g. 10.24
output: 11.27
